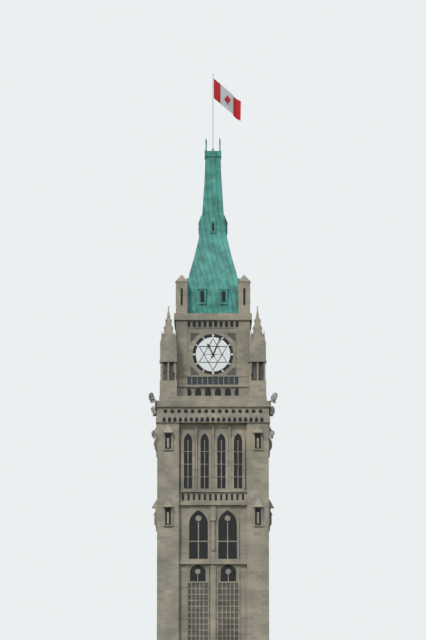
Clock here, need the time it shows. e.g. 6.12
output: 11.04
